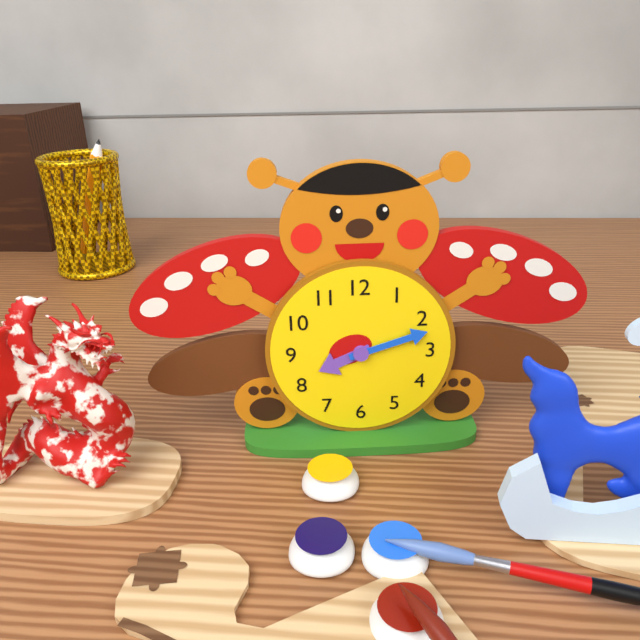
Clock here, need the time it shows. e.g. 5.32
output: 8.12
